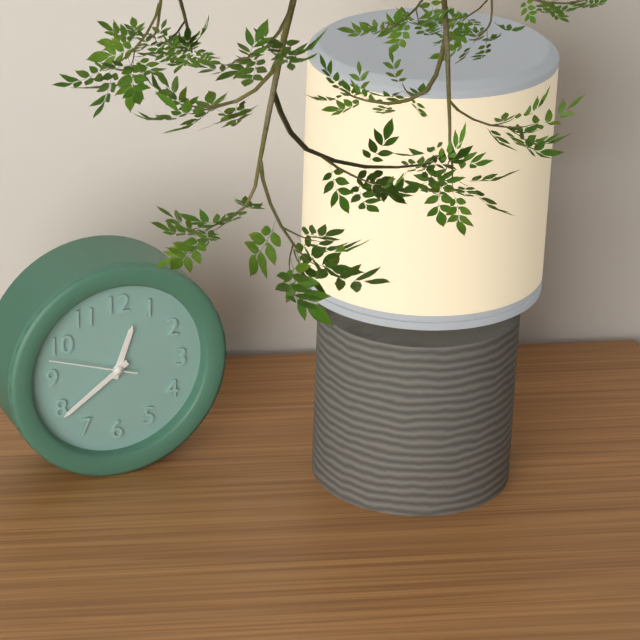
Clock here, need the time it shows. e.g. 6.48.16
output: 12.39.48
